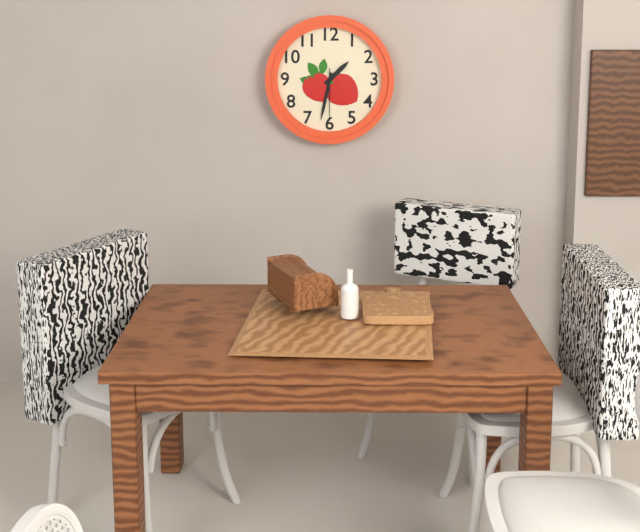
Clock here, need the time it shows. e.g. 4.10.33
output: 1.32.30
